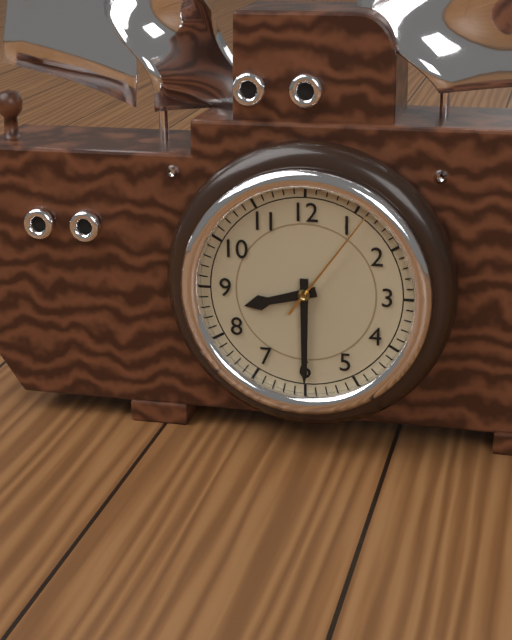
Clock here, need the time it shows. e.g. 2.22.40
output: 8.30.06
